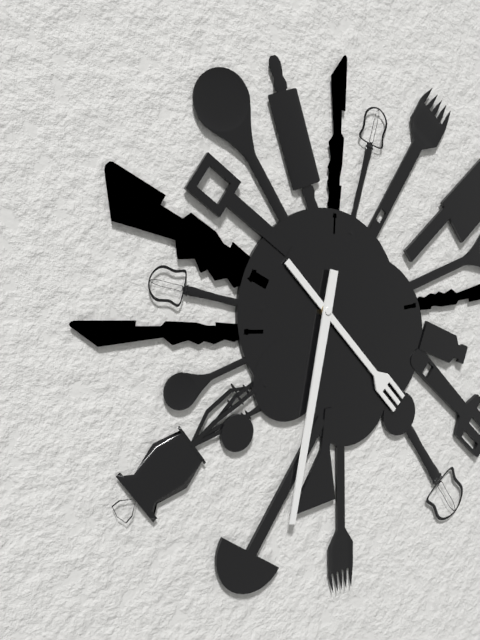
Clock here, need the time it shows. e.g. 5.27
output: 4.32
